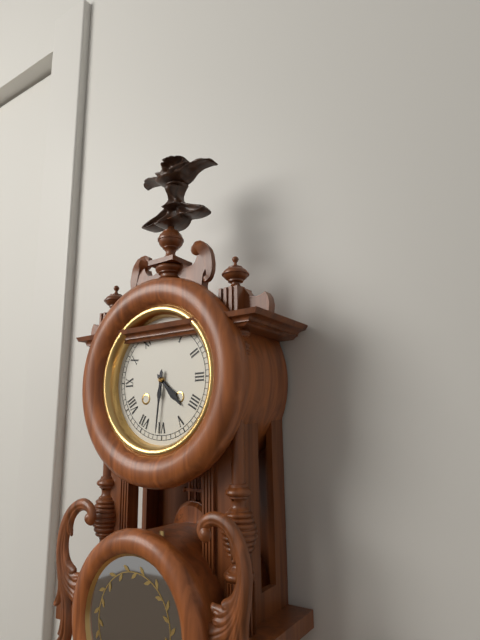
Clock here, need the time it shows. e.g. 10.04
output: 4.31
